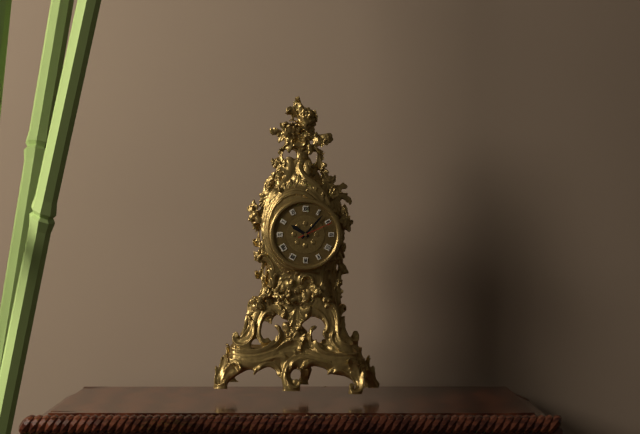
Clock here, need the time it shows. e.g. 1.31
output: 10.07
